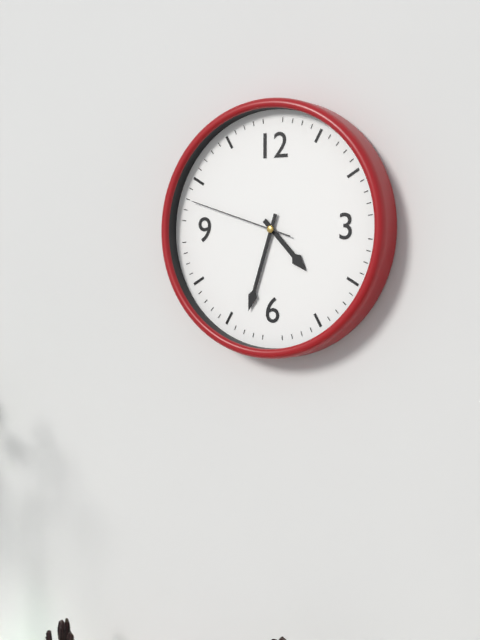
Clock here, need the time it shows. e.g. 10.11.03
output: 4.33.48
